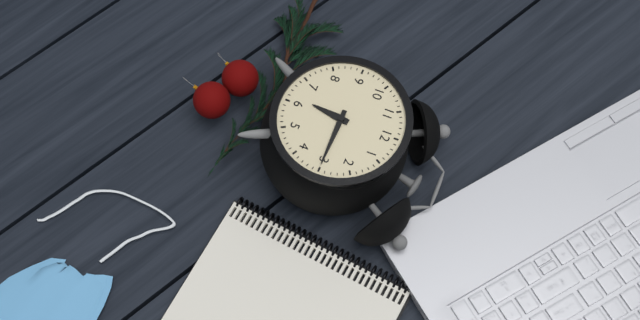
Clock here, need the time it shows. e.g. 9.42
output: 6.15
